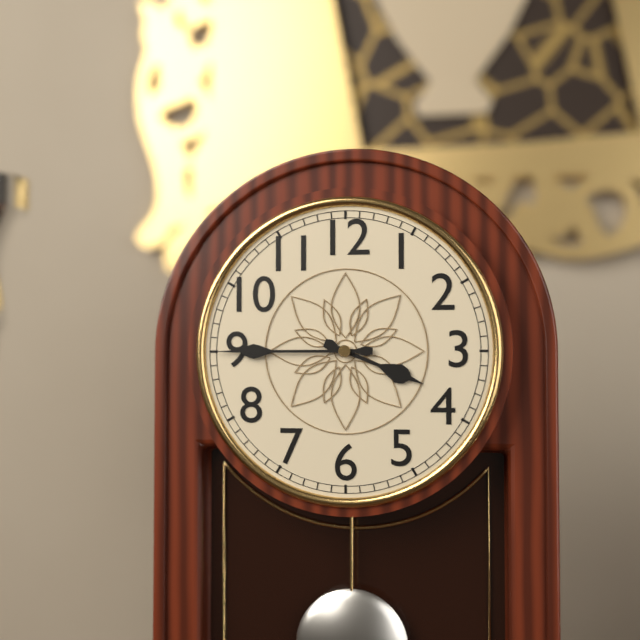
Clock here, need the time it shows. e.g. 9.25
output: 3.45
